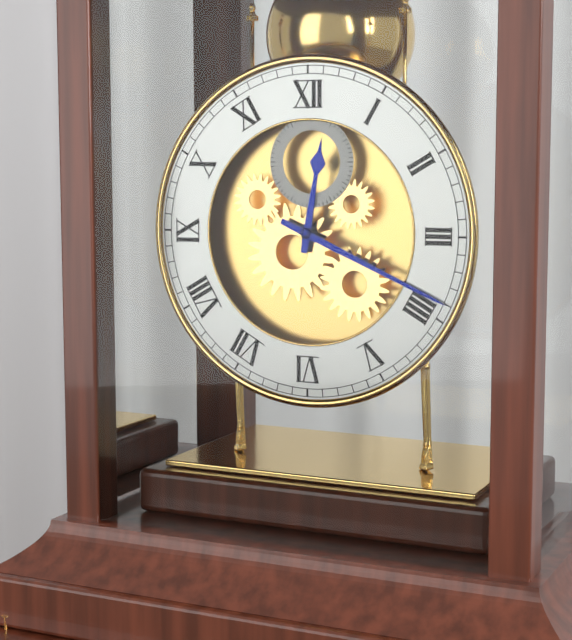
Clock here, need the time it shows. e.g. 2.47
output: 12.19
